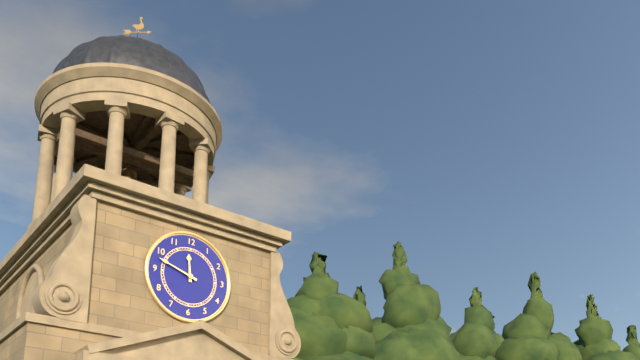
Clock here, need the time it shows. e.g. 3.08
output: 11.48
